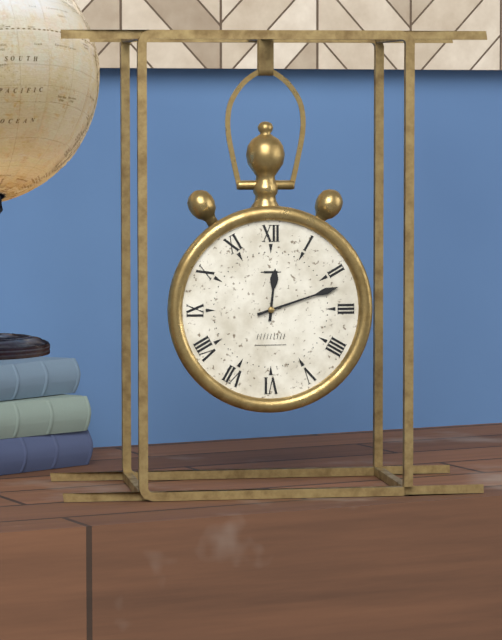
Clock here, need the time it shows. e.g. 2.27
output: 12.12
